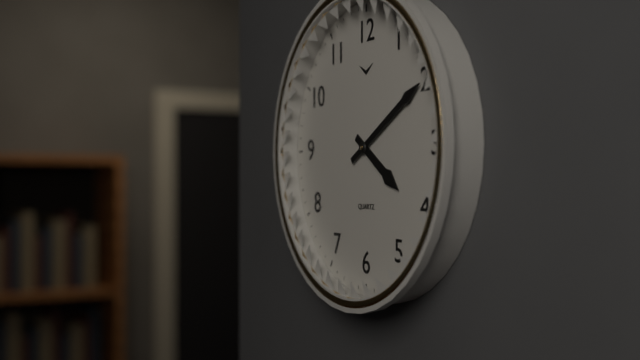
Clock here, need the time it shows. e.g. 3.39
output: 4.10
